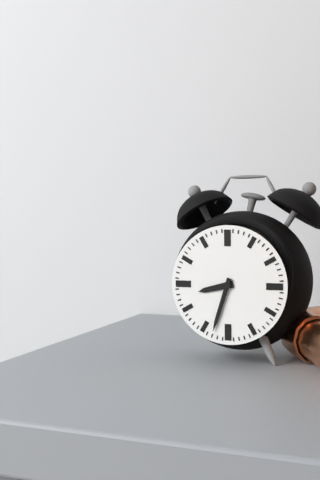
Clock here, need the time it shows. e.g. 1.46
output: 8.33
